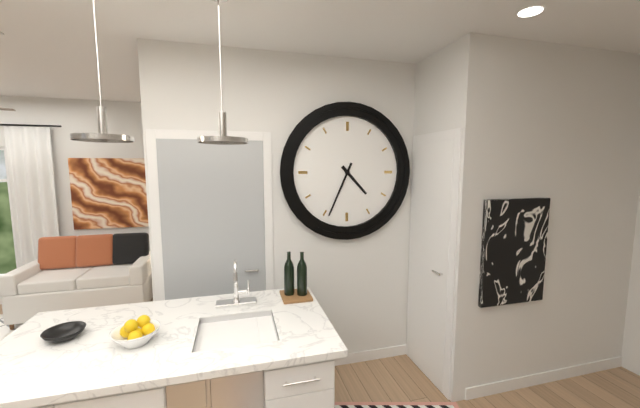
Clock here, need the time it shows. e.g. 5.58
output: 4.34
